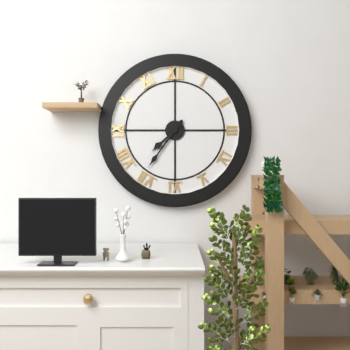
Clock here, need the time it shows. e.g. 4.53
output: 7.36
